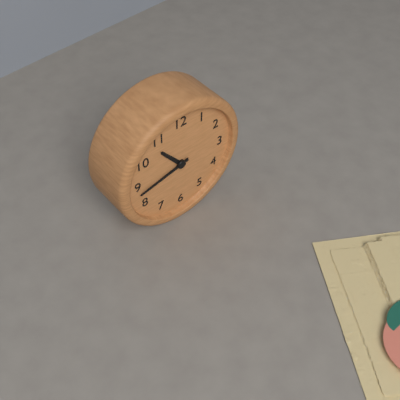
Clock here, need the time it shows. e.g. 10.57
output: 10.43
